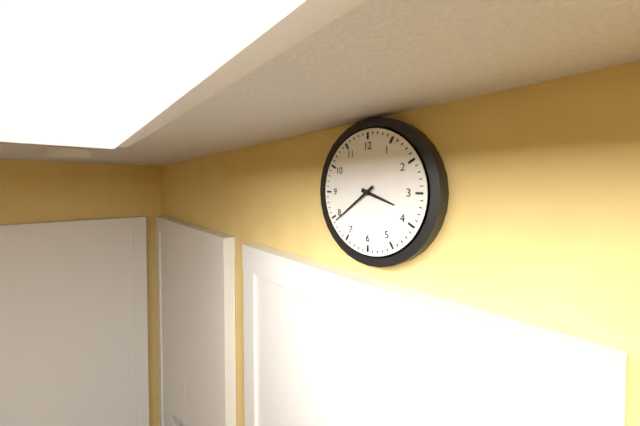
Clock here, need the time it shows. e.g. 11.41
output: 3.39
